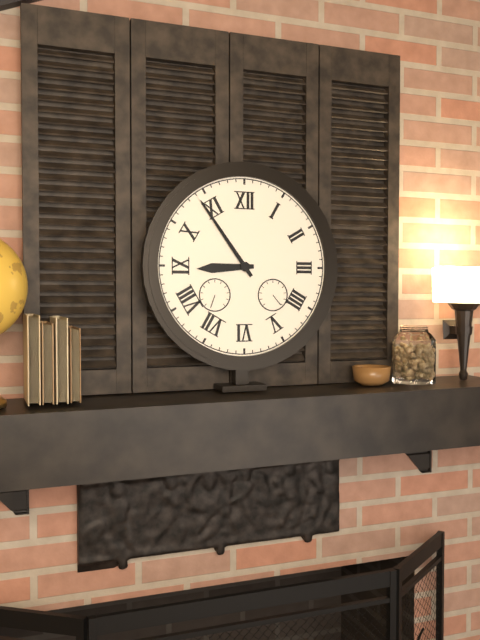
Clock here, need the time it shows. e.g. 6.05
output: 8.54
